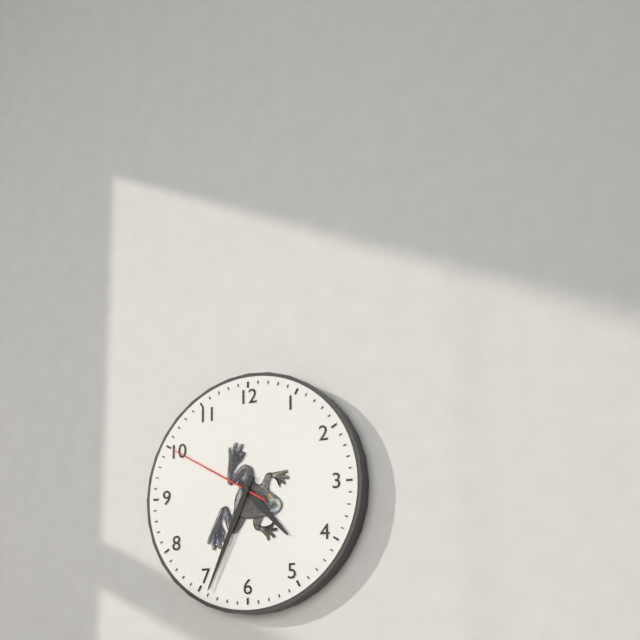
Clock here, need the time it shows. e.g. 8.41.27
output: 4.34.50
